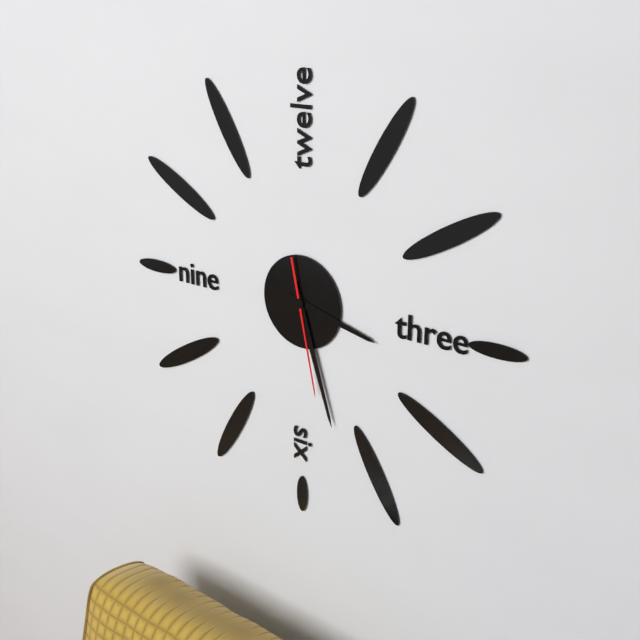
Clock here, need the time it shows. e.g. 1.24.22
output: 3.27.28
